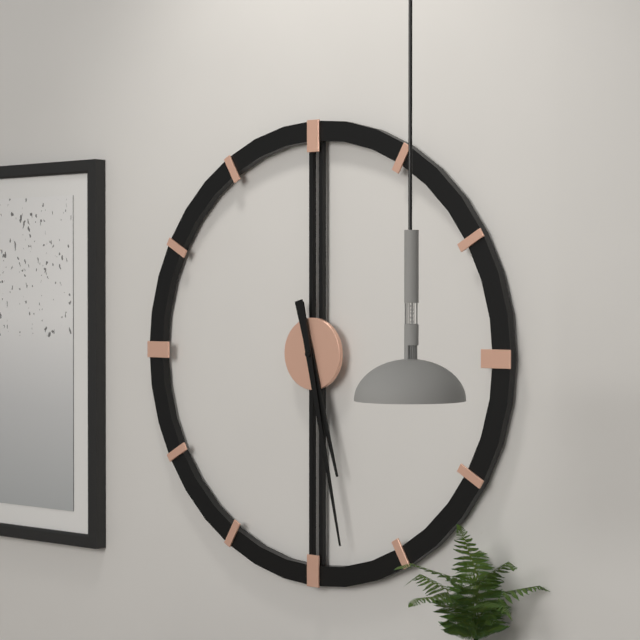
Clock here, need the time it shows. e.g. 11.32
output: 5.28
